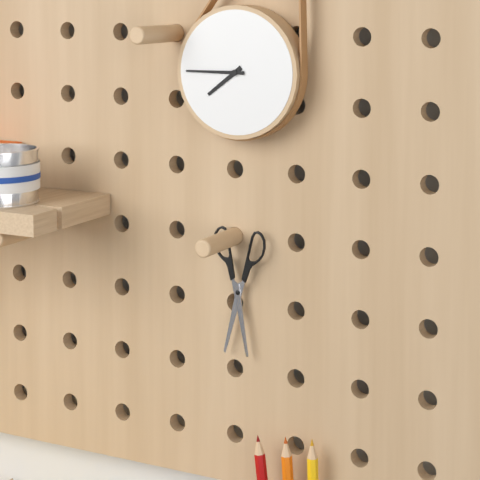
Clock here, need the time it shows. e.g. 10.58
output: 7.45
